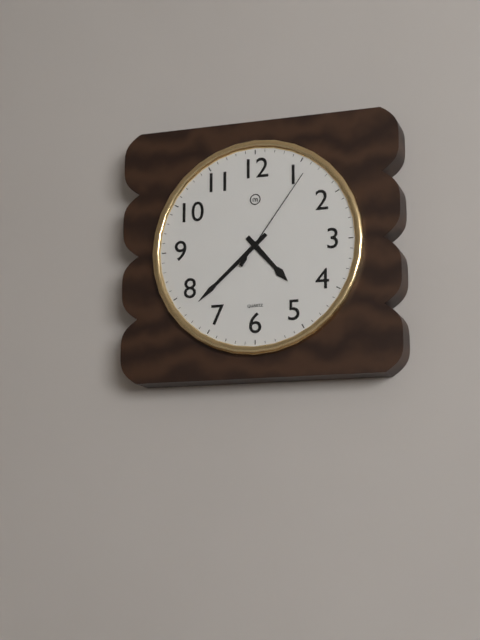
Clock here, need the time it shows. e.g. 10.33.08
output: 4.38.06
